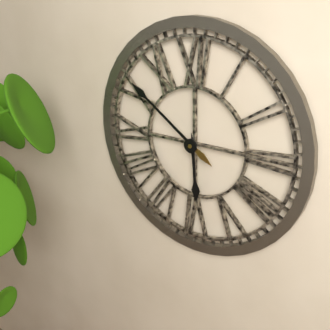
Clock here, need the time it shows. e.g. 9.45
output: 5.51
